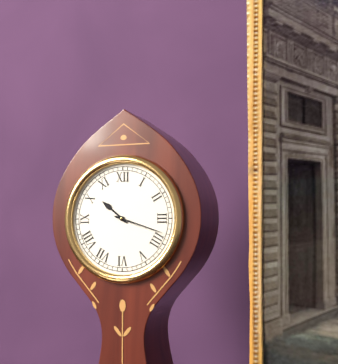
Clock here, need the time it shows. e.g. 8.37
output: 10.18
